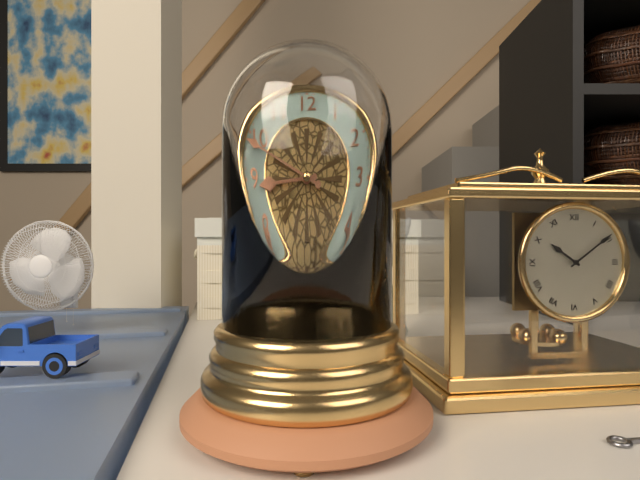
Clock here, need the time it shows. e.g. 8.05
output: 8.49
